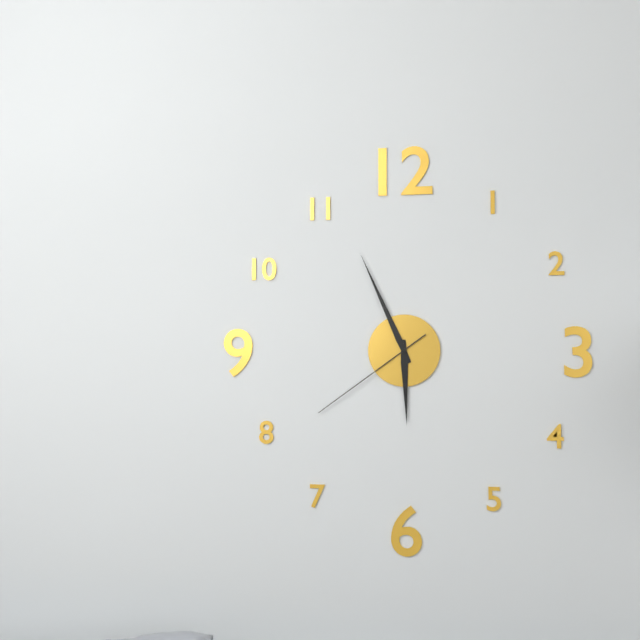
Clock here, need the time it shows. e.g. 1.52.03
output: 5.56.39
